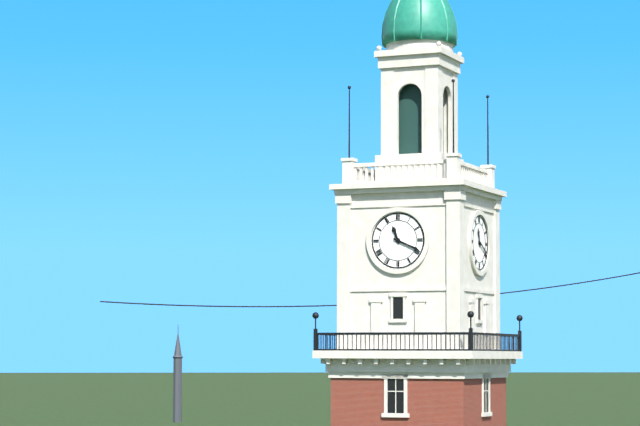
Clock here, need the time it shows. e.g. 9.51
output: 11.19
